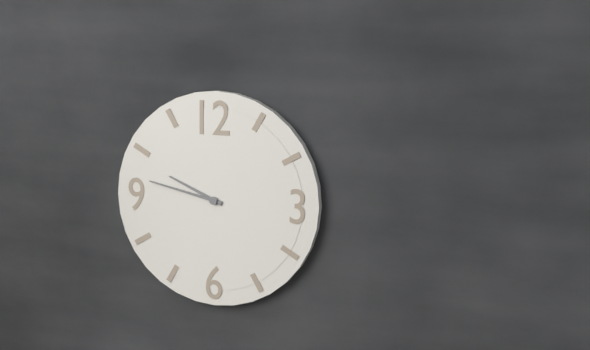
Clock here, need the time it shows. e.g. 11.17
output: 9.47
